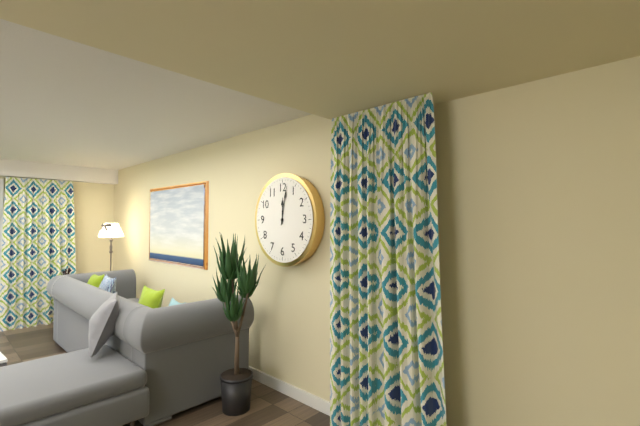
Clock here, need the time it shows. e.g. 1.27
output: 12.02
